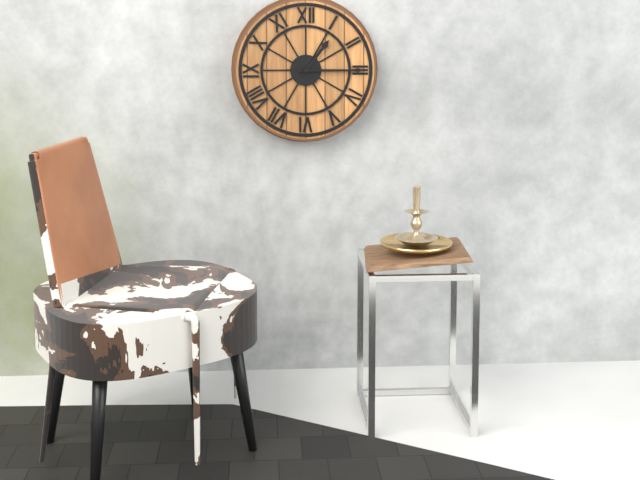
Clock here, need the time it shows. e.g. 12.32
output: 1.15
